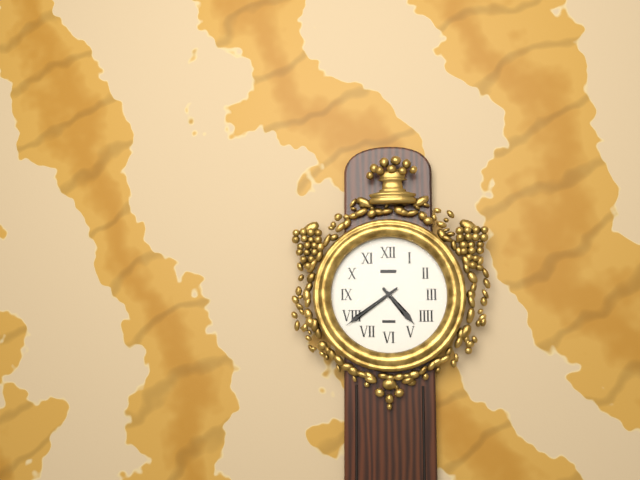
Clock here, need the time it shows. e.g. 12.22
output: 4.39
